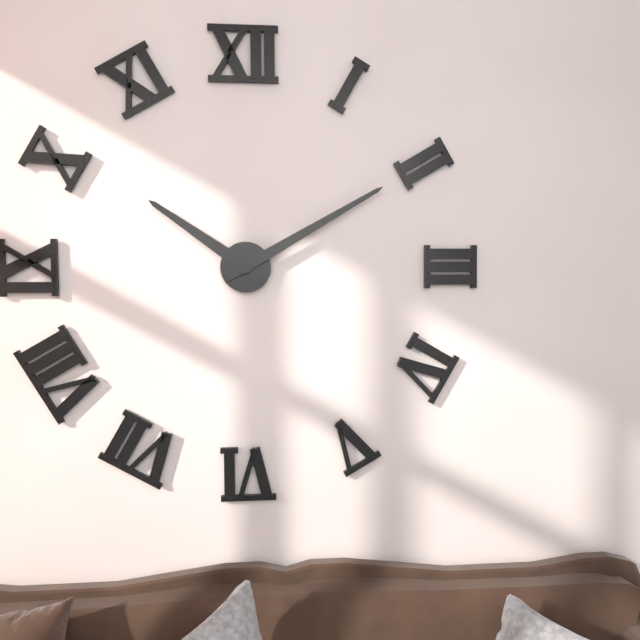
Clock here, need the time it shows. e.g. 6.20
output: 10.10
